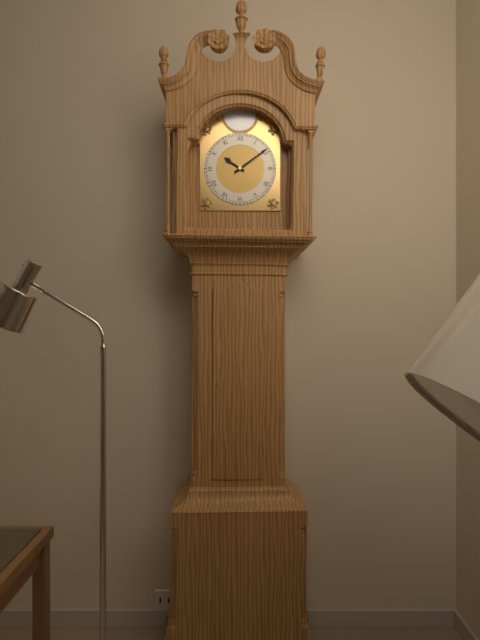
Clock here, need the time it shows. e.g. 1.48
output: 10.09
